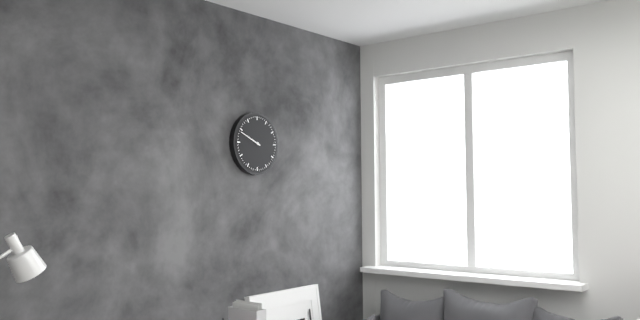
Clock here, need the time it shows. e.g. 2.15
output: 9.49
